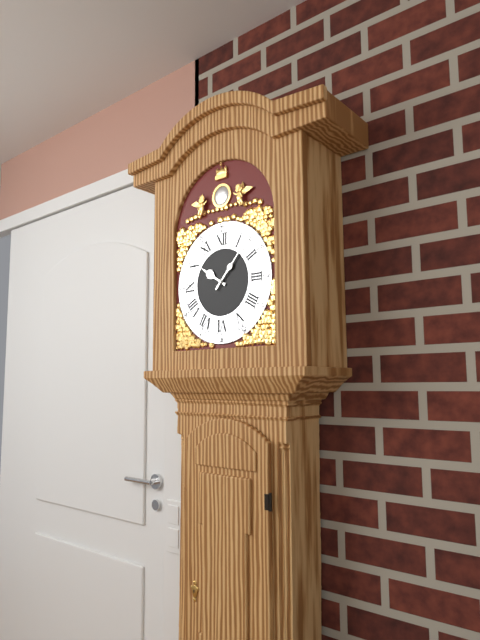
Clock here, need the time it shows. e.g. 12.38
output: 10.07
